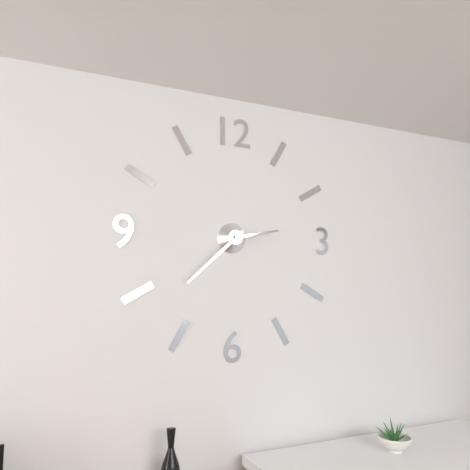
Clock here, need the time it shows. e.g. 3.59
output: 2.38
